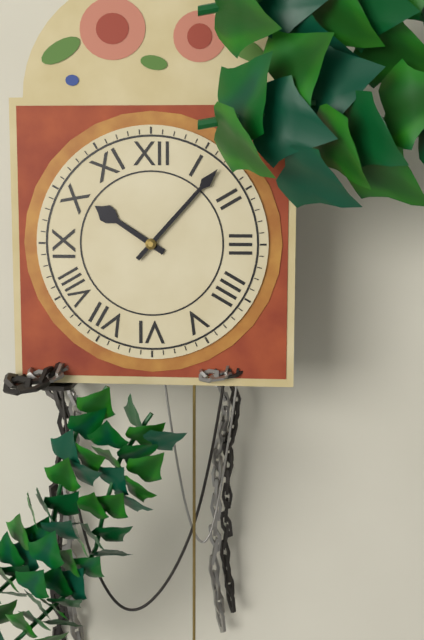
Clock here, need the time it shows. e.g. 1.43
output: 10.07
